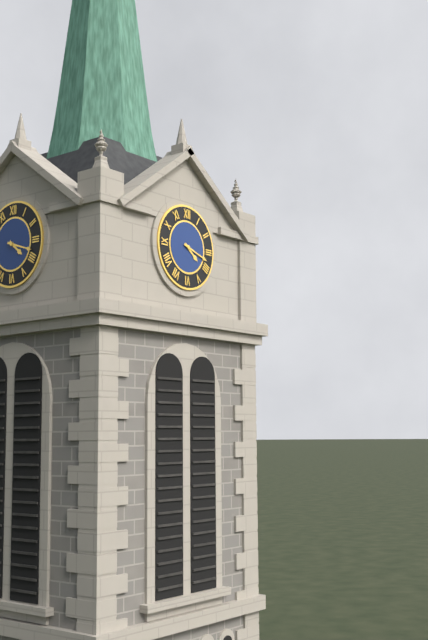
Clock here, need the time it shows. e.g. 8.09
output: 4.18
